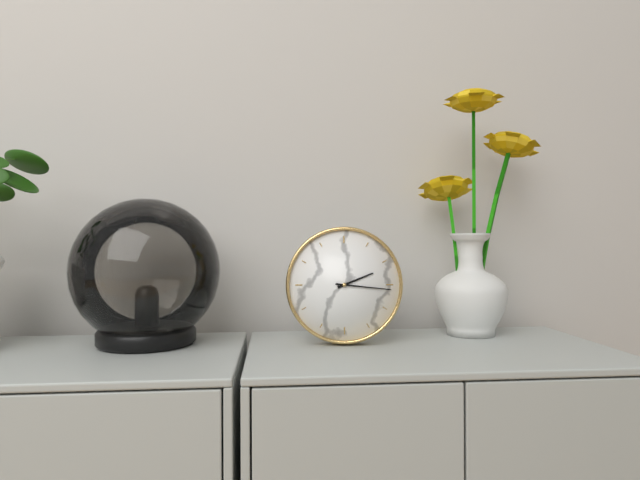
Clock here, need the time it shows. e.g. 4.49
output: 2.16
